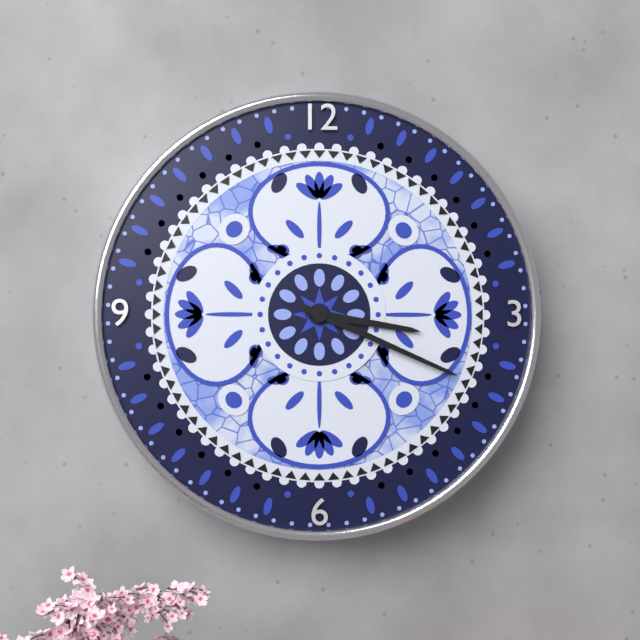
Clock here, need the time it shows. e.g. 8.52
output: 3.19
